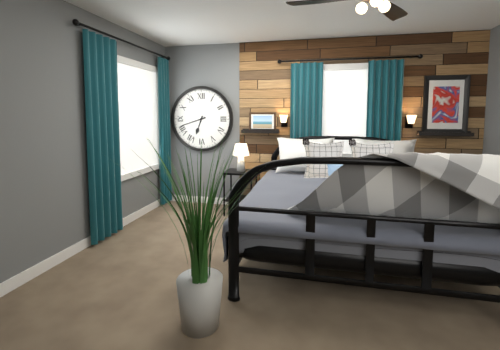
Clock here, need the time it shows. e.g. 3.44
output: 6.42
